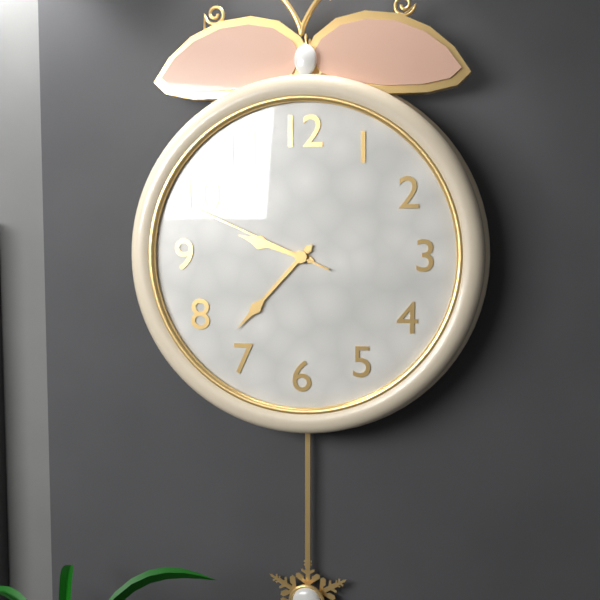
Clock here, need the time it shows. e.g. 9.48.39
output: 9.37.49
